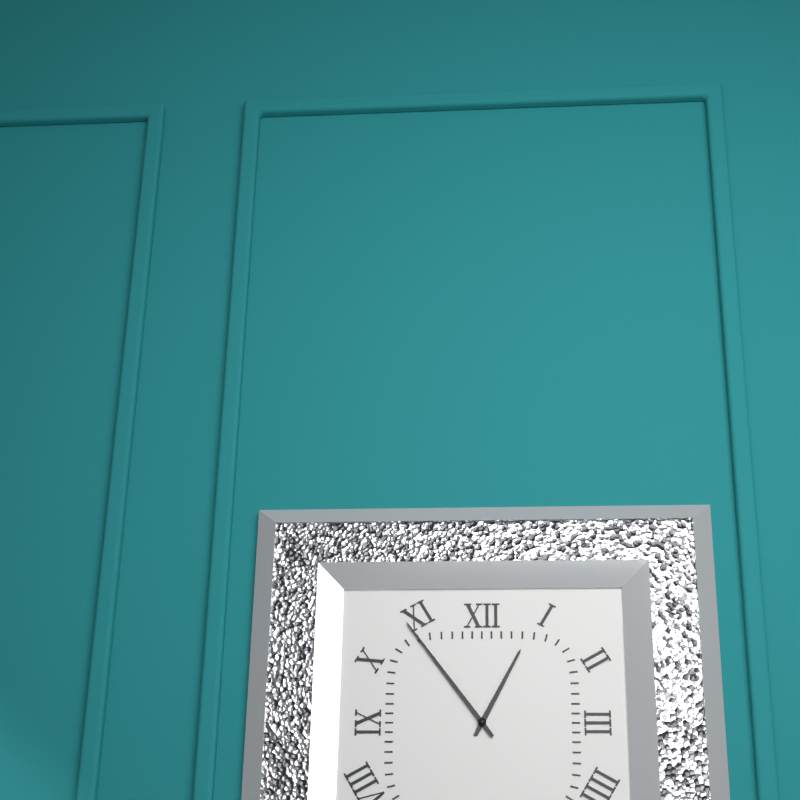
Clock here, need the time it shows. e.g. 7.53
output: 12.54
